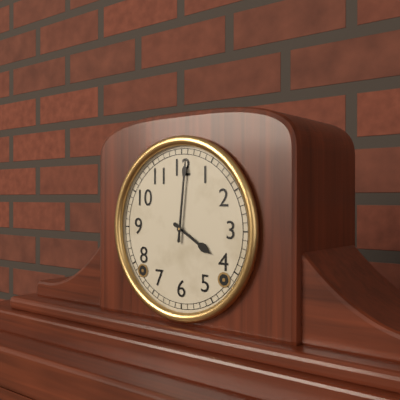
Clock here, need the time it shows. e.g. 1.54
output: 4.01
